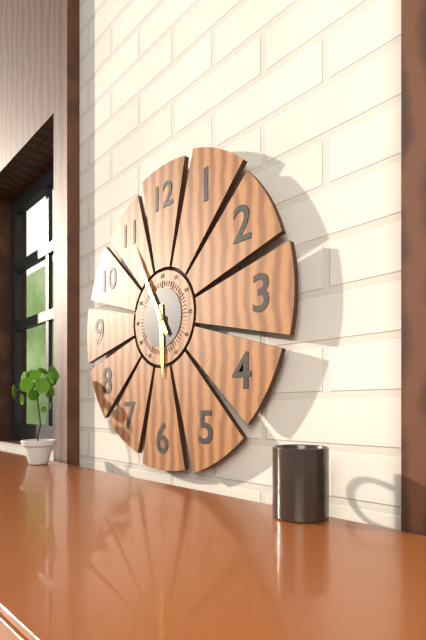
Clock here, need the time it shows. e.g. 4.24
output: 5.55
